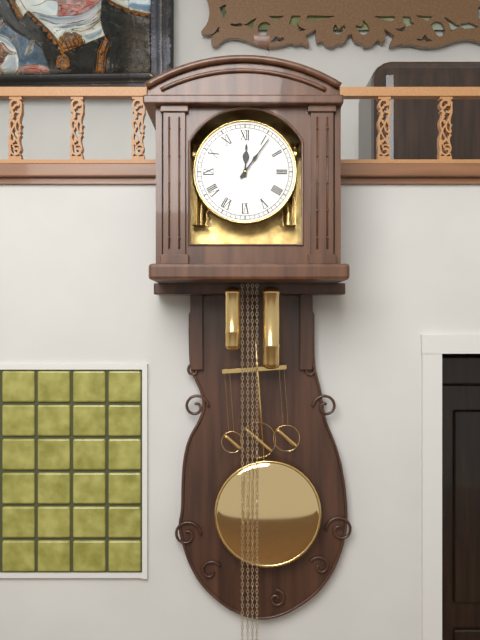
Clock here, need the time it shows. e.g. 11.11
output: 12.06
